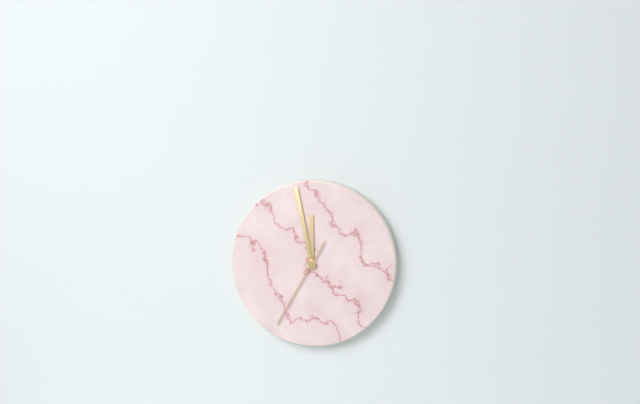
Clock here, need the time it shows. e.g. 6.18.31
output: 11.58.35
